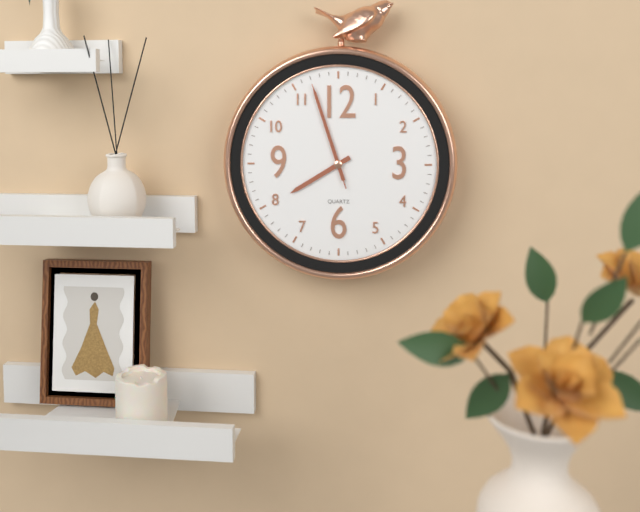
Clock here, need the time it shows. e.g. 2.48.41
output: 7.57.57
